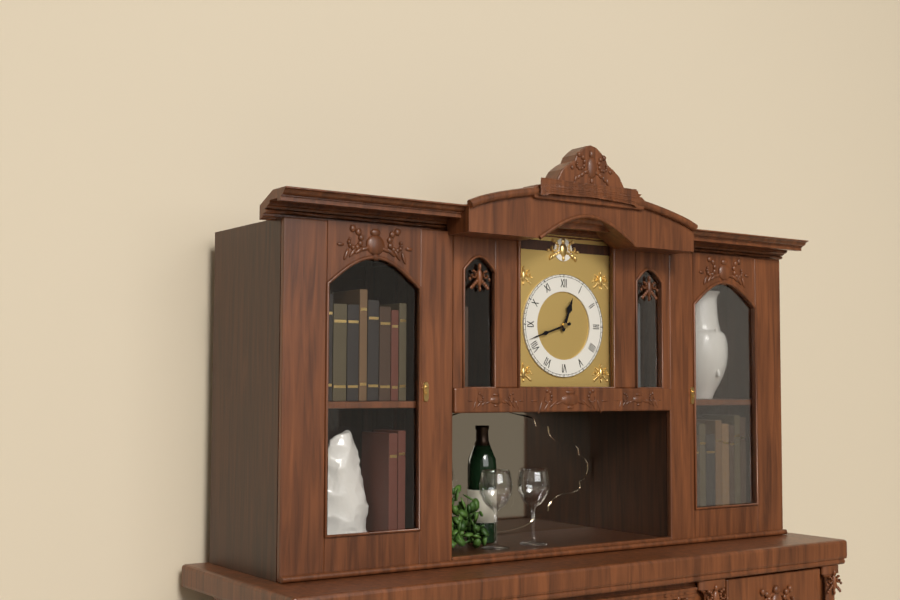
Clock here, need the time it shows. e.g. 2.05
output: 12.42
